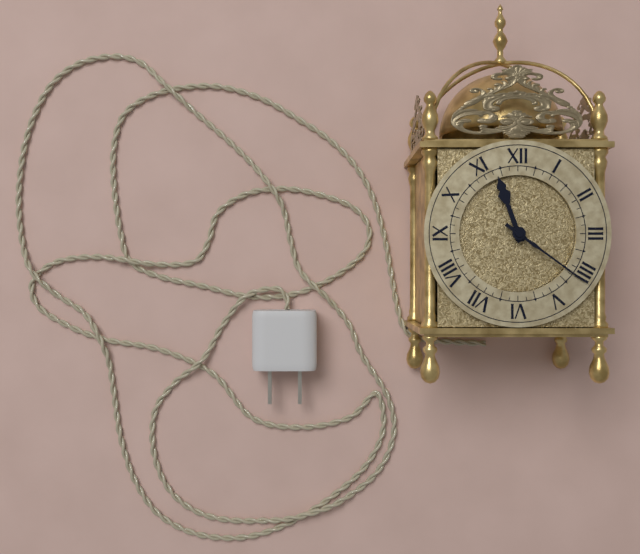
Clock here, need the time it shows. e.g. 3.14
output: 11.21
